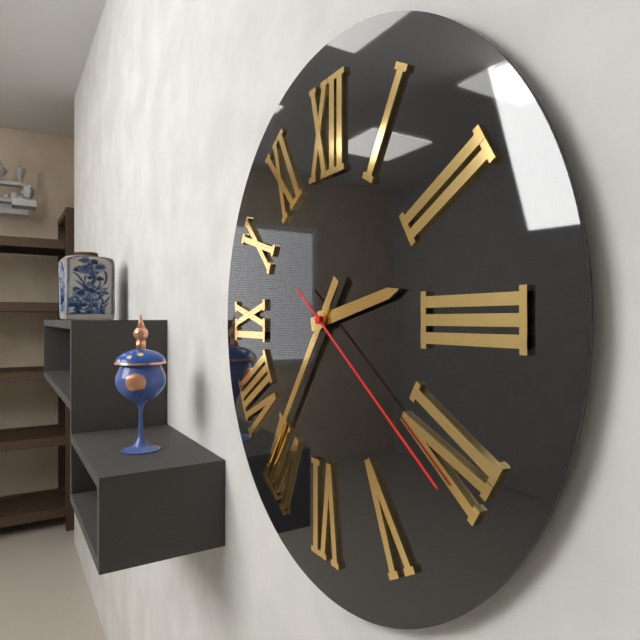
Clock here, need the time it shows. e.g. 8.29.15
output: 2.36.21
